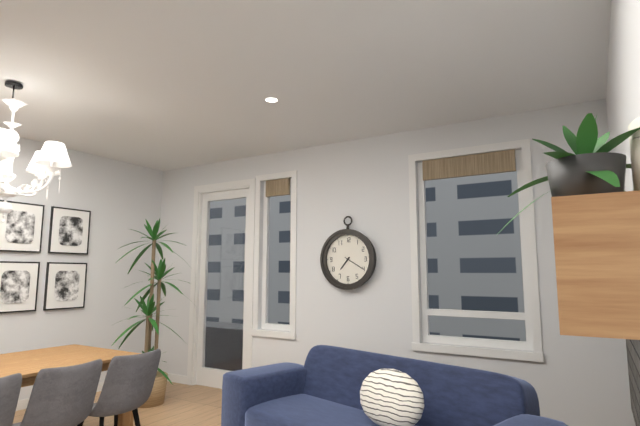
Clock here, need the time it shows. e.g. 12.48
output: 7.20
